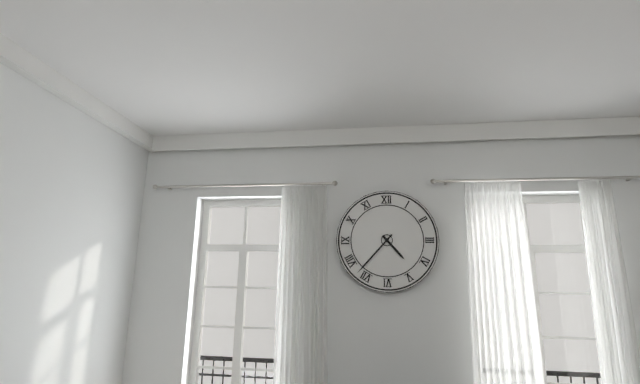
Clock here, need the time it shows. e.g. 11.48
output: 4.37
